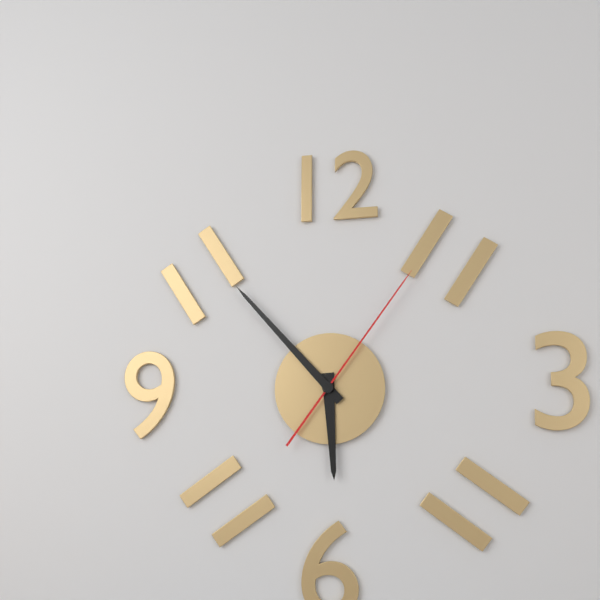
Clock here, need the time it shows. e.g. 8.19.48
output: 5.53.06
